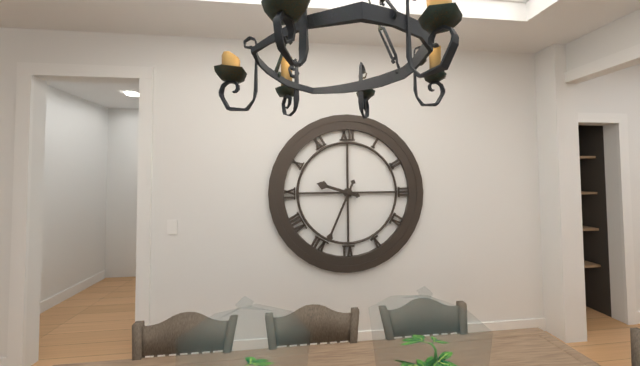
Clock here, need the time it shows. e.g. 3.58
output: 9.34
